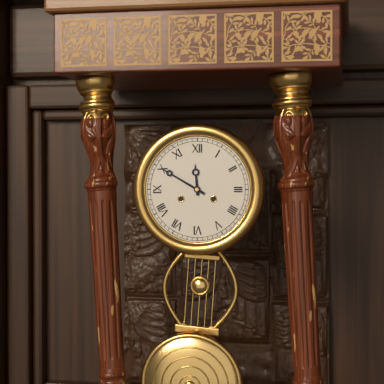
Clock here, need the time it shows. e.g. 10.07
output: 11.50
